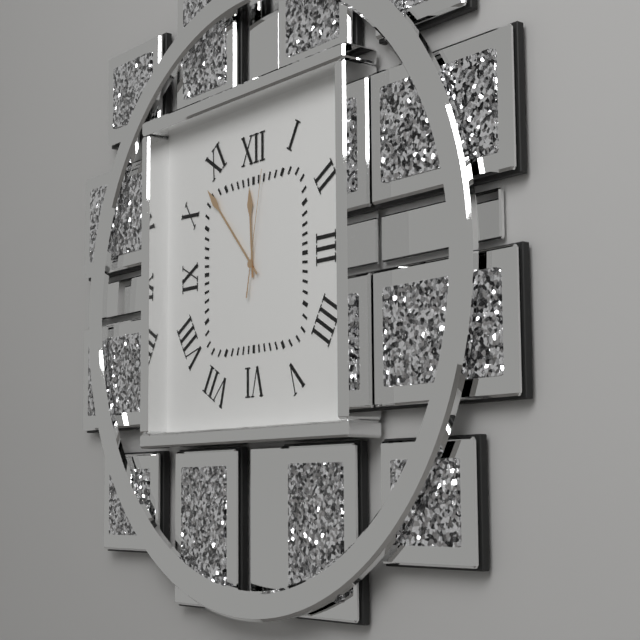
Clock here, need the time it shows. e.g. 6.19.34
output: 11.53.02
